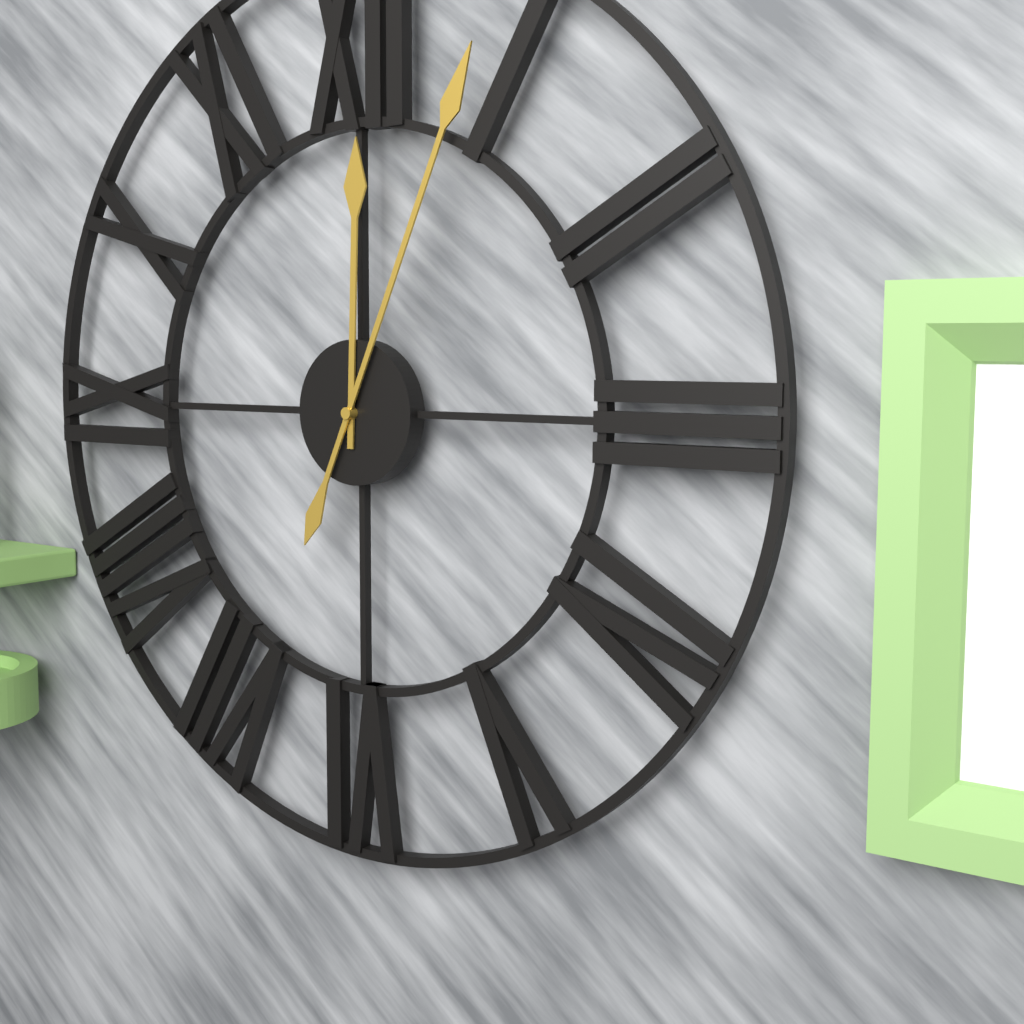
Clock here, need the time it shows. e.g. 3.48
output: 12.04
